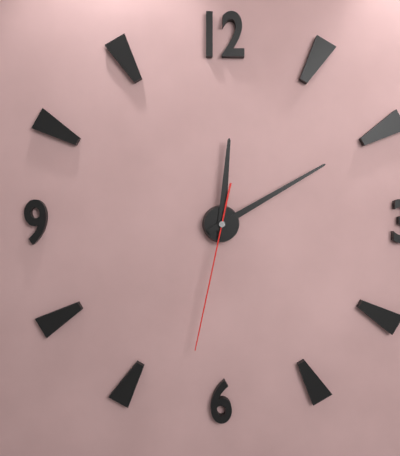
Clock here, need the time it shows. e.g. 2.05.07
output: 12.10.32
